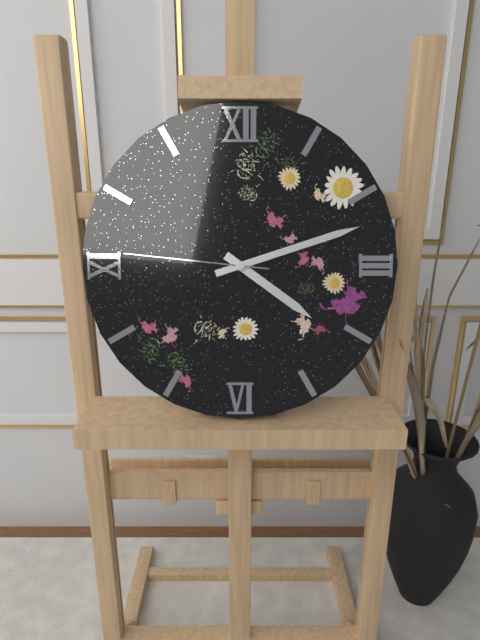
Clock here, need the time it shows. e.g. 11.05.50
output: 4.12.46
